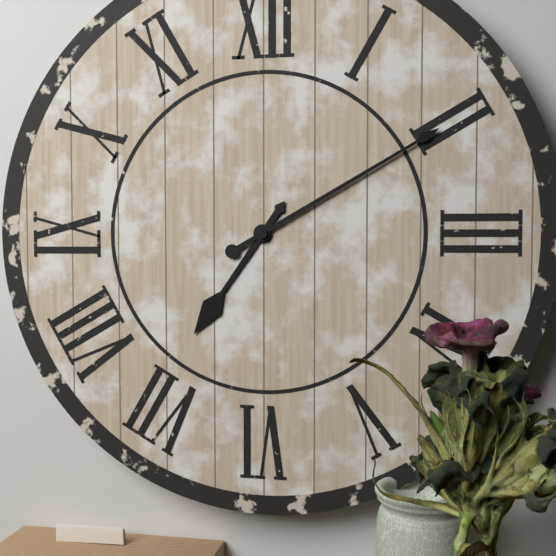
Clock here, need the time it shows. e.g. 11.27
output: 7.10
